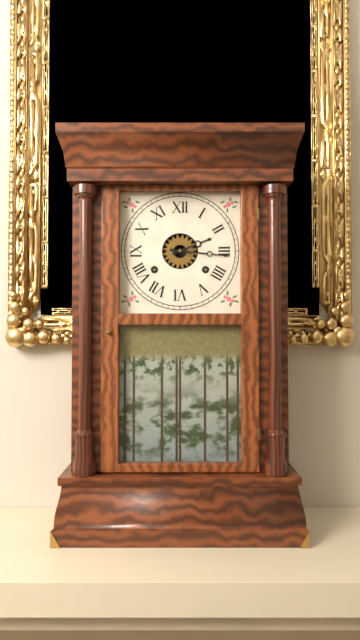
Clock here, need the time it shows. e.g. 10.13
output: 2.16
